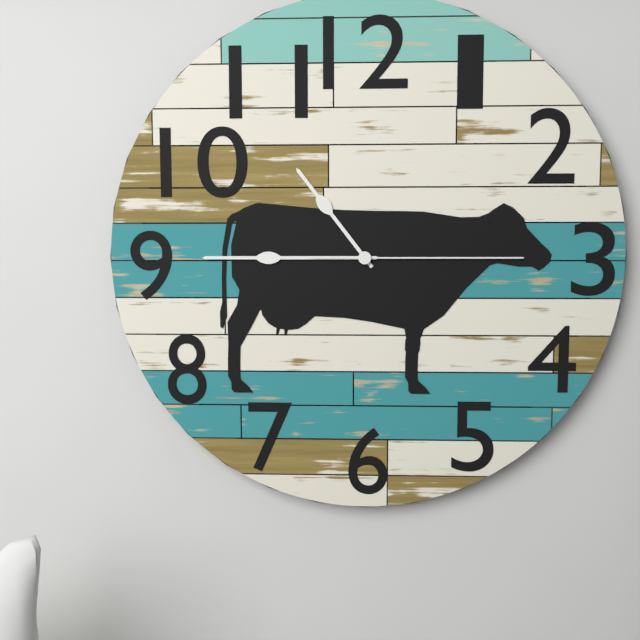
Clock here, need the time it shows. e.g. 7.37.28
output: 10.45.15
